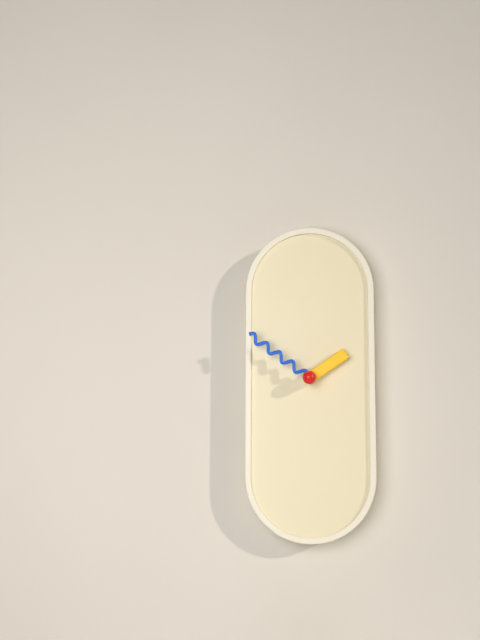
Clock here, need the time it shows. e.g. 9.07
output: 1.51
